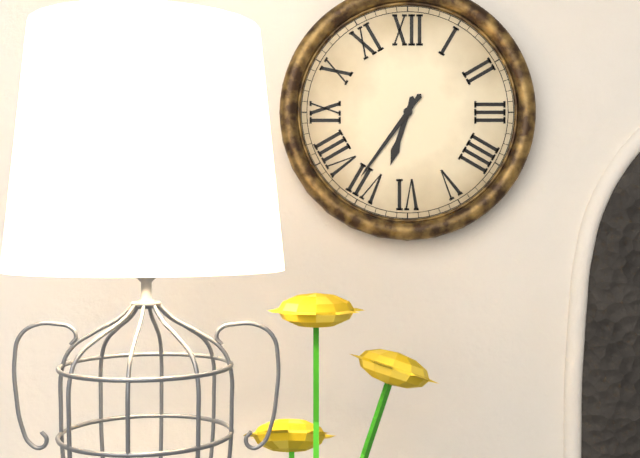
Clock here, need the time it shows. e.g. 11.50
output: 6.36
